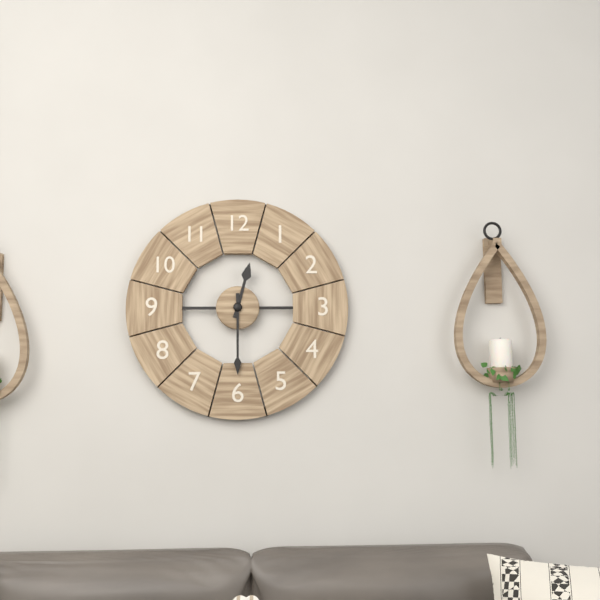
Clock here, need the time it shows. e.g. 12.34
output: 12.30
